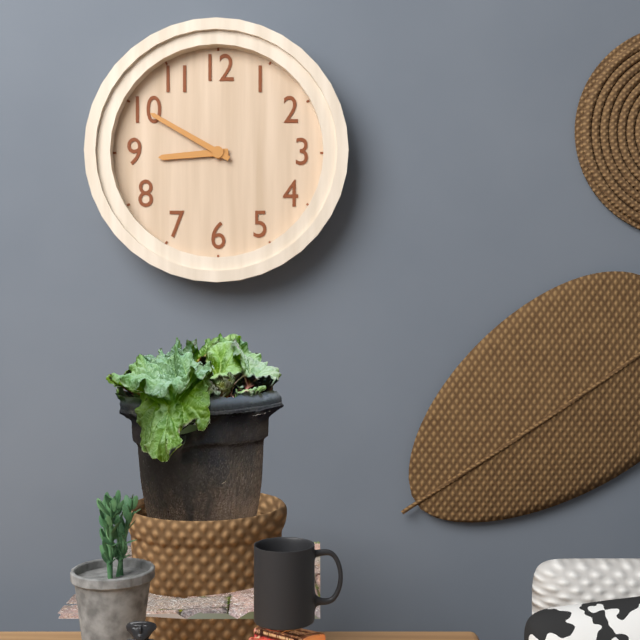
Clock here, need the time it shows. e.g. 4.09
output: 8.50
